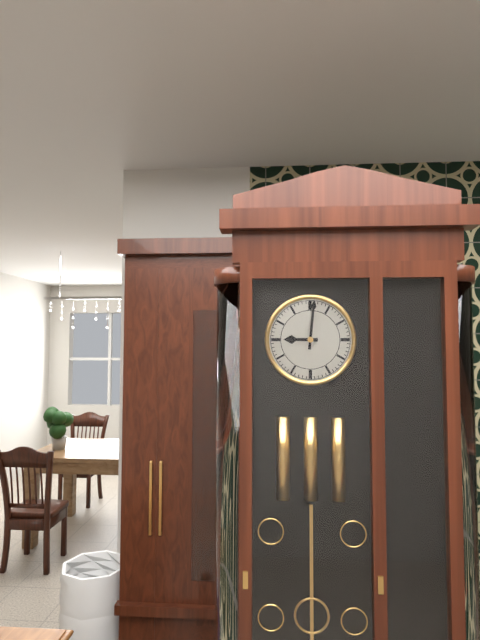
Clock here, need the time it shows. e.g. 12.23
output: 9.01
